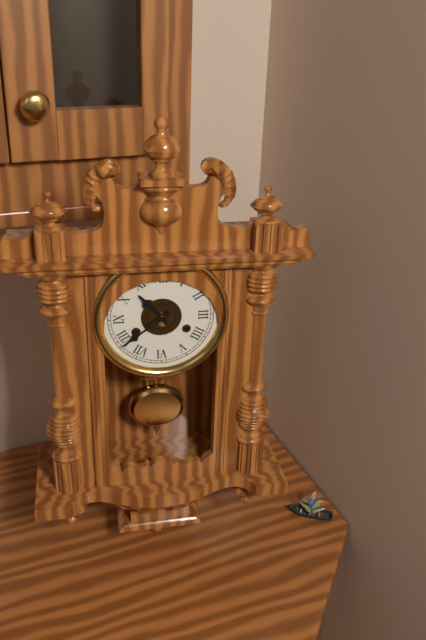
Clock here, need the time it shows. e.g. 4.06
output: 10.39
